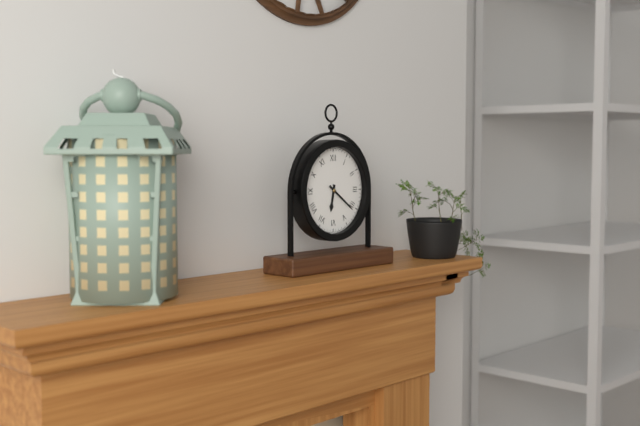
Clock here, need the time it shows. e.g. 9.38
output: 6.21
